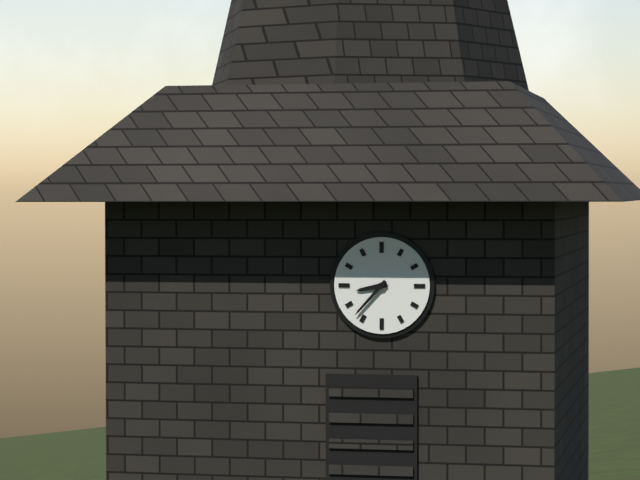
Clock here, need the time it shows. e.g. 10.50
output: 8.37
